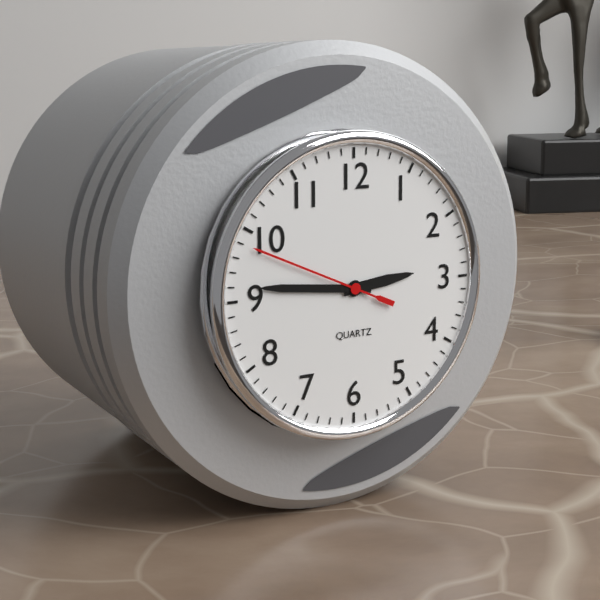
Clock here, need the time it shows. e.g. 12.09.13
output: 2.46.49
